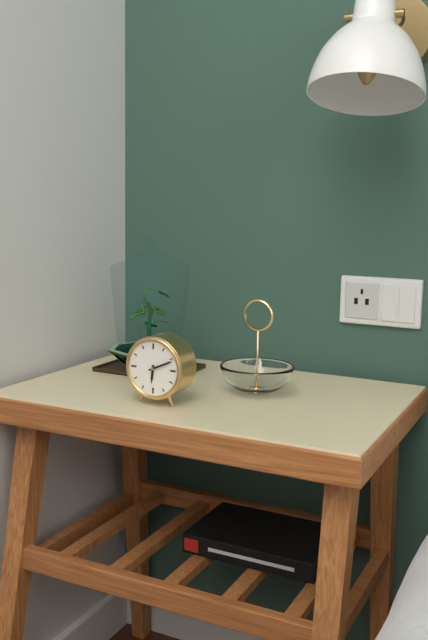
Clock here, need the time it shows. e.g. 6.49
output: 6.11
